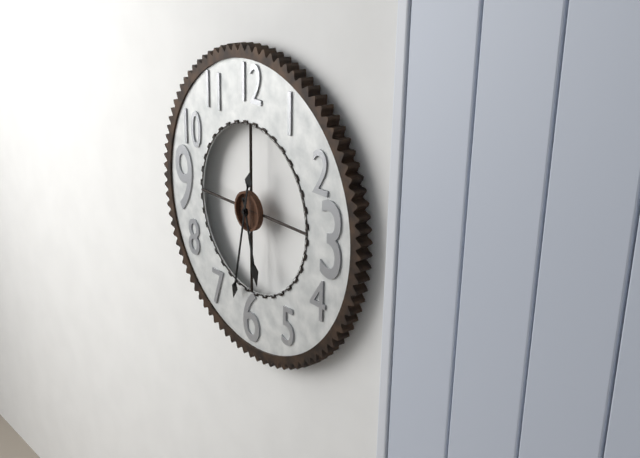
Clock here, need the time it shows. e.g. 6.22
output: 5.32
